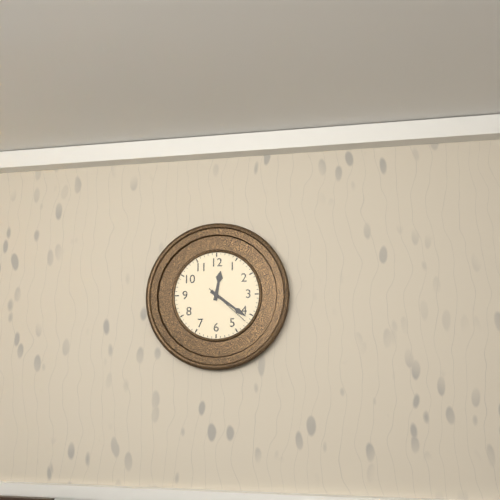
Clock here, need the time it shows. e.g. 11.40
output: 12.21
